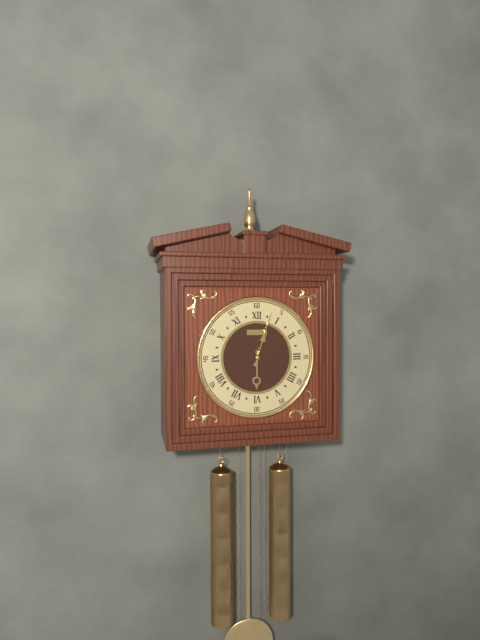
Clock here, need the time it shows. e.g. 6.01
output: 6.03
